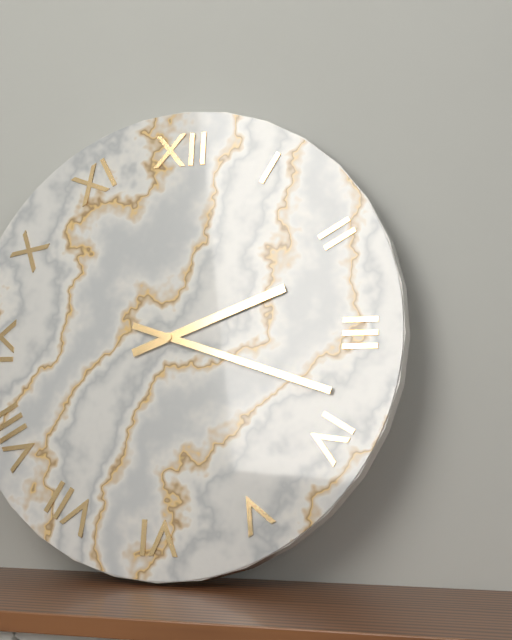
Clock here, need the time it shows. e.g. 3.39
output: 2.18
